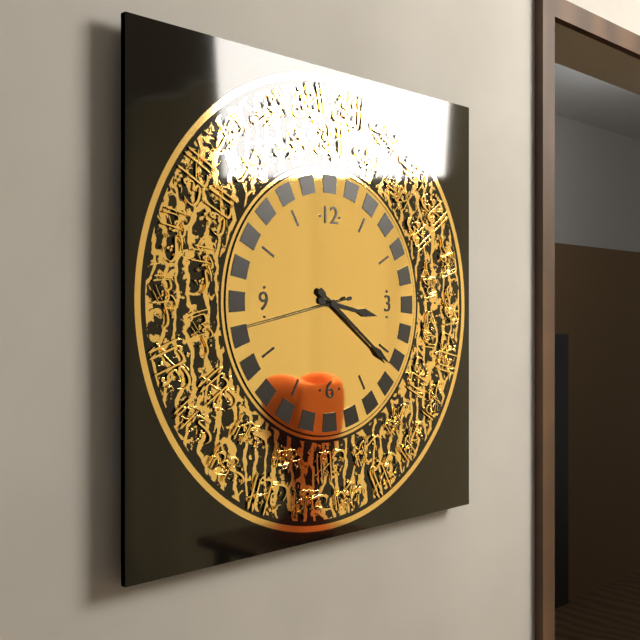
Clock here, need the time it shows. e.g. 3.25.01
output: 3.21.43
